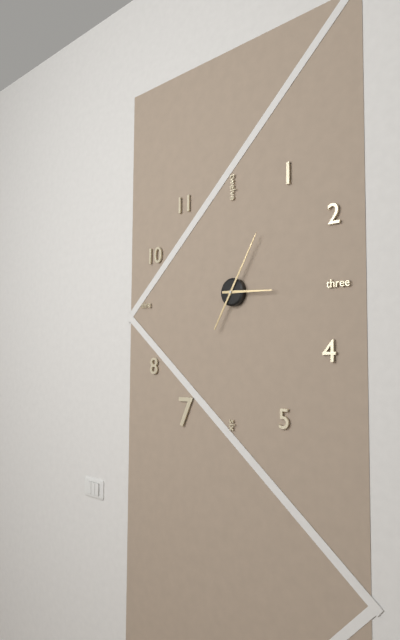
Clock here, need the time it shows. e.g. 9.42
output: 3.05
